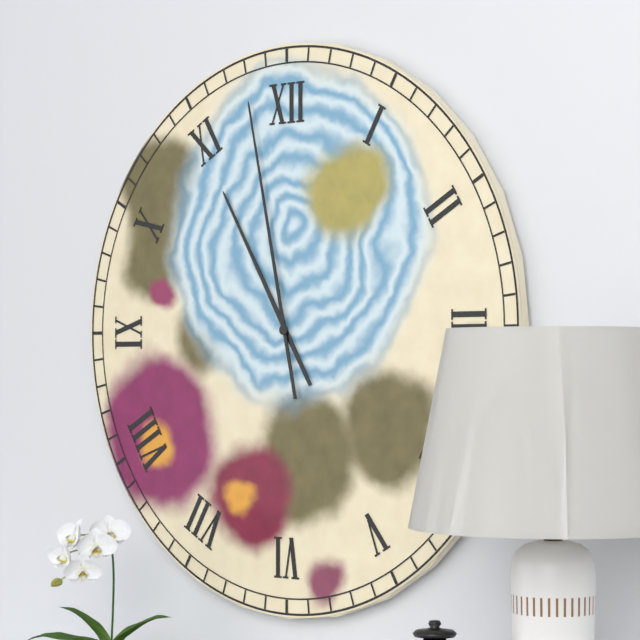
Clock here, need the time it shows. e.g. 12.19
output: 10.58
